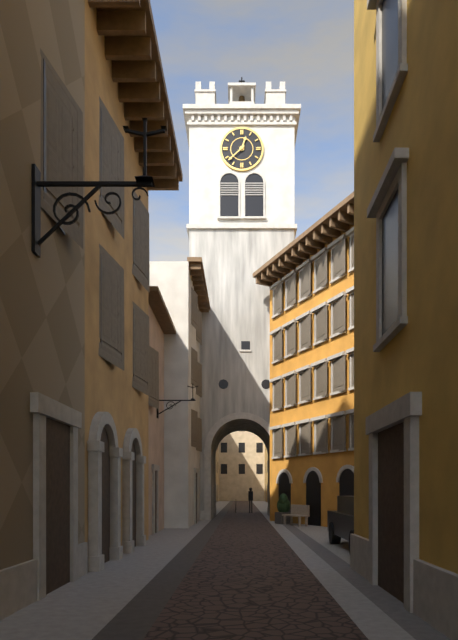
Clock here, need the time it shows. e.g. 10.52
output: 12.38
